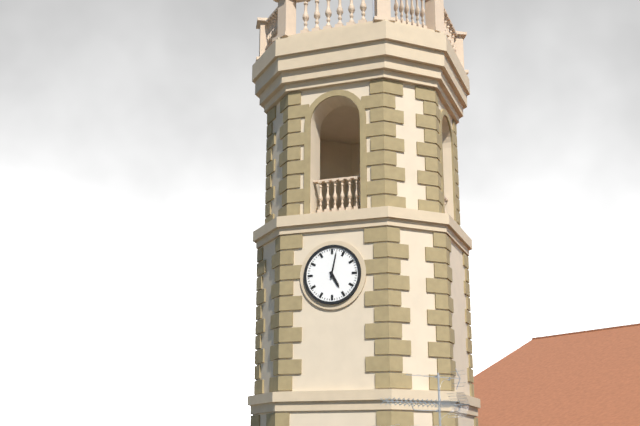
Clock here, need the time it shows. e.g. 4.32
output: 5.02
